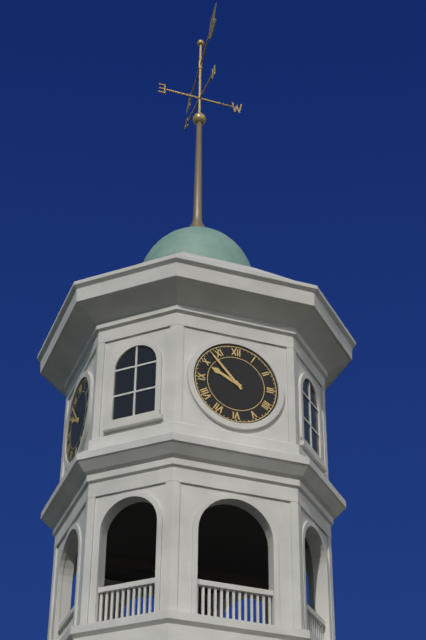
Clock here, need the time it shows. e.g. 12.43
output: 9.53
